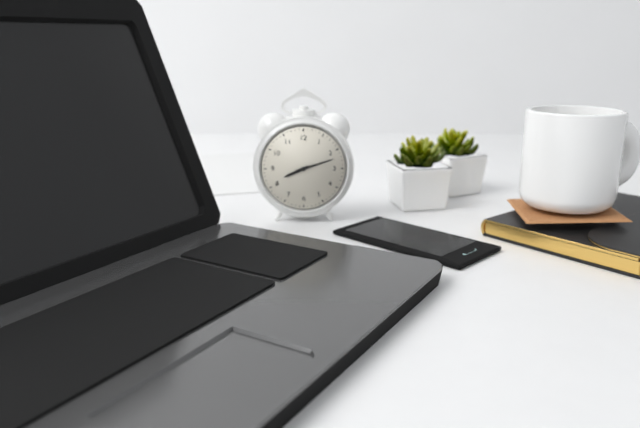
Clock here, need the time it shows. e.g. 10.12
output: 8.12
